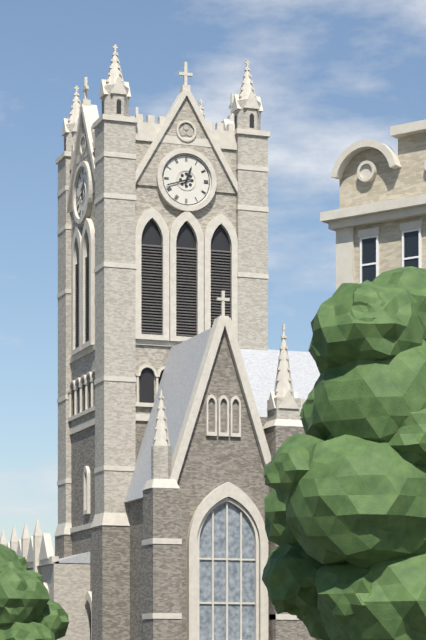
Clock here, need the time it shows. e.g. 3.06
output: 12.42
